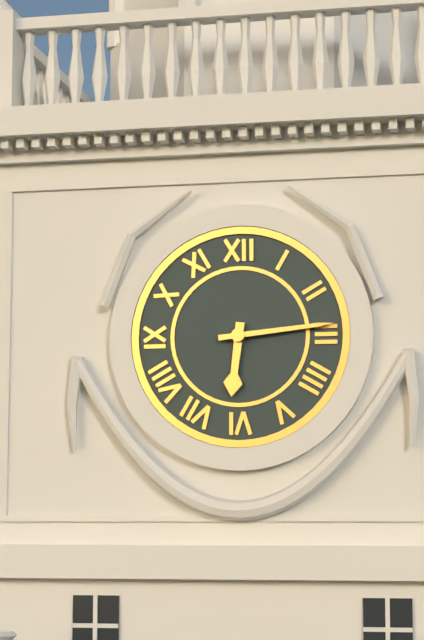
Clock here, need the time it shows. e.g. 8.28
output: 6.14
